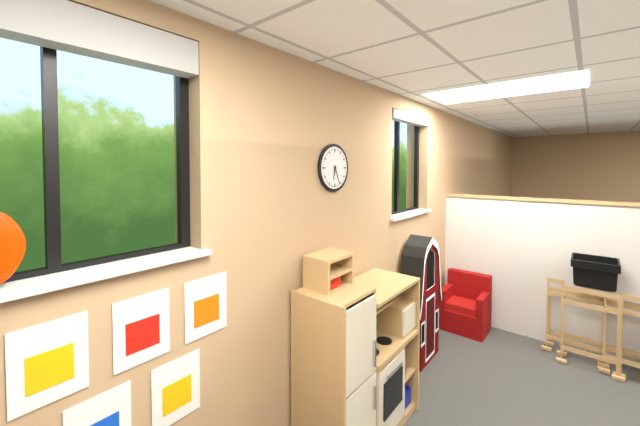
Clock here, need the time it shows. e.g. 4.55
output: 6.26
